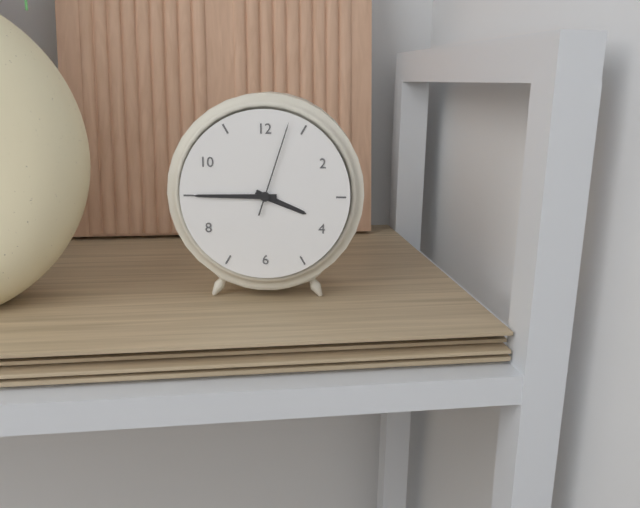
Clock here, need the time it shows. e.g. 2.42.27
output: 3.45.03
